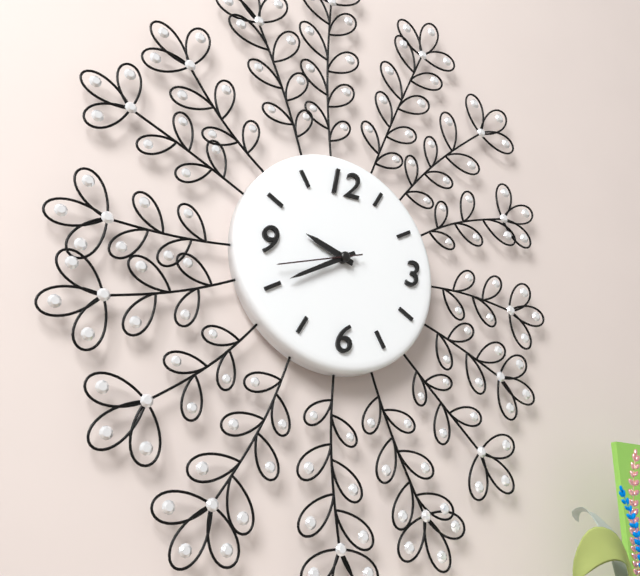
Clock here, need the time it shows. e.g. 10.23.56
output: 9.40.42
